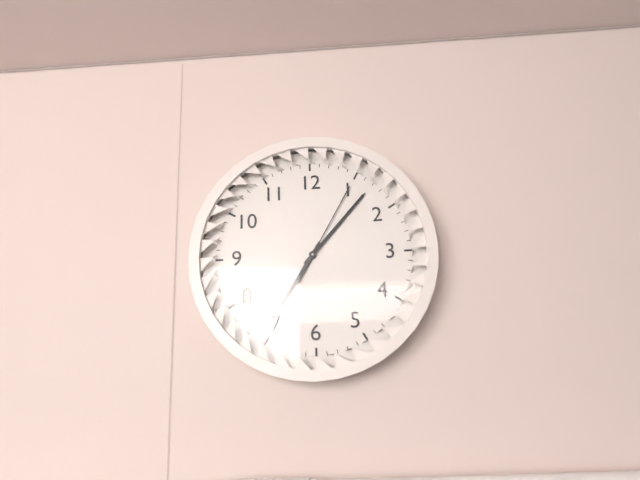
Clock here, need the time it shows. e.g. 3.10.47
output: 7.07.05
